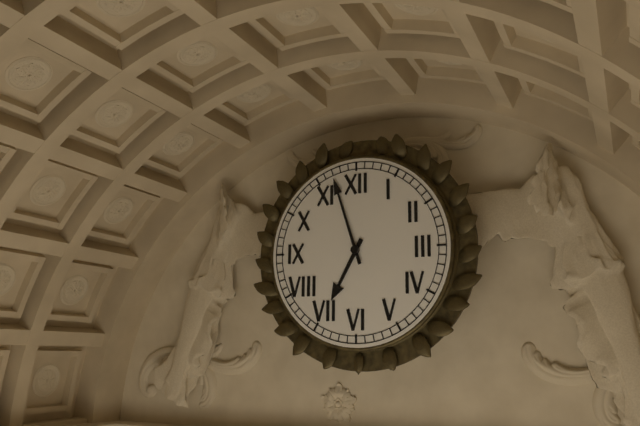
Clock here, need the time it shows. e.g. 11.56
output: 6.57
